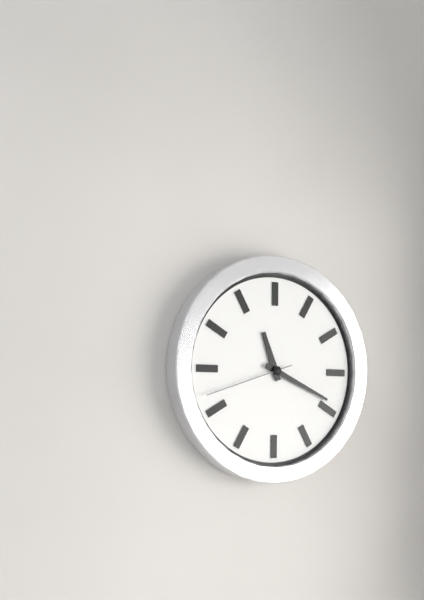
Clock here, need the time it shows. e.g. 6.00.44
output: 11.19.42
